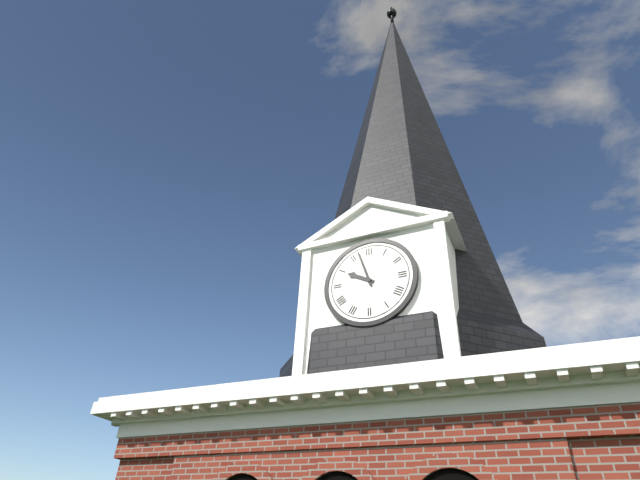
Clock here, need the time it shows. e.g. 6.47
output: 9.57
